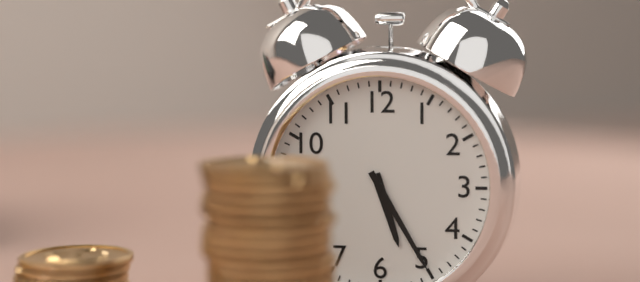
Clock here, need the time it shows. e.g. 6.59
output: 5.25
